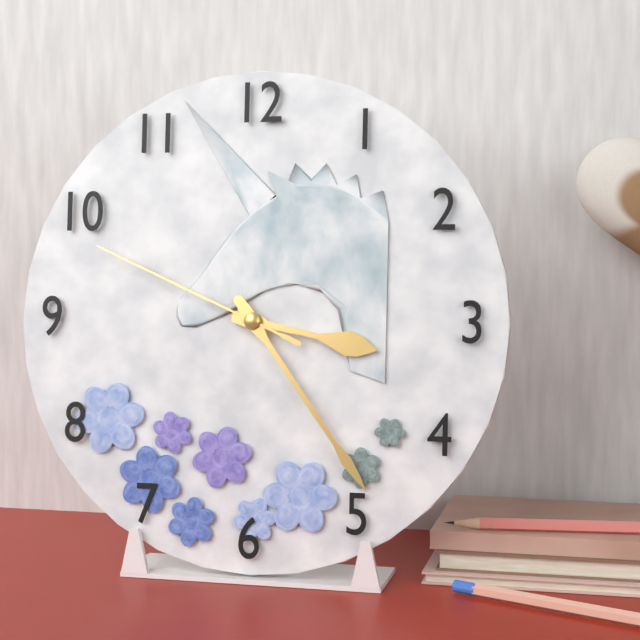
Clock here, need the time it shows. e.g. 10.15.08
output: 3.24.49
